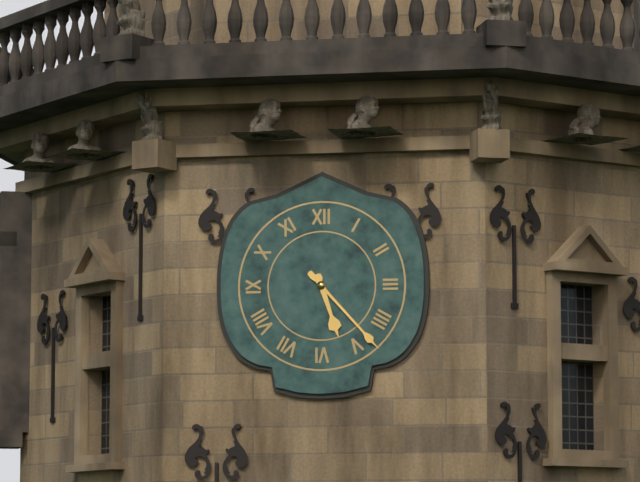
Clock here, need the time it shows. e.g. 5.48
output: 5.23
